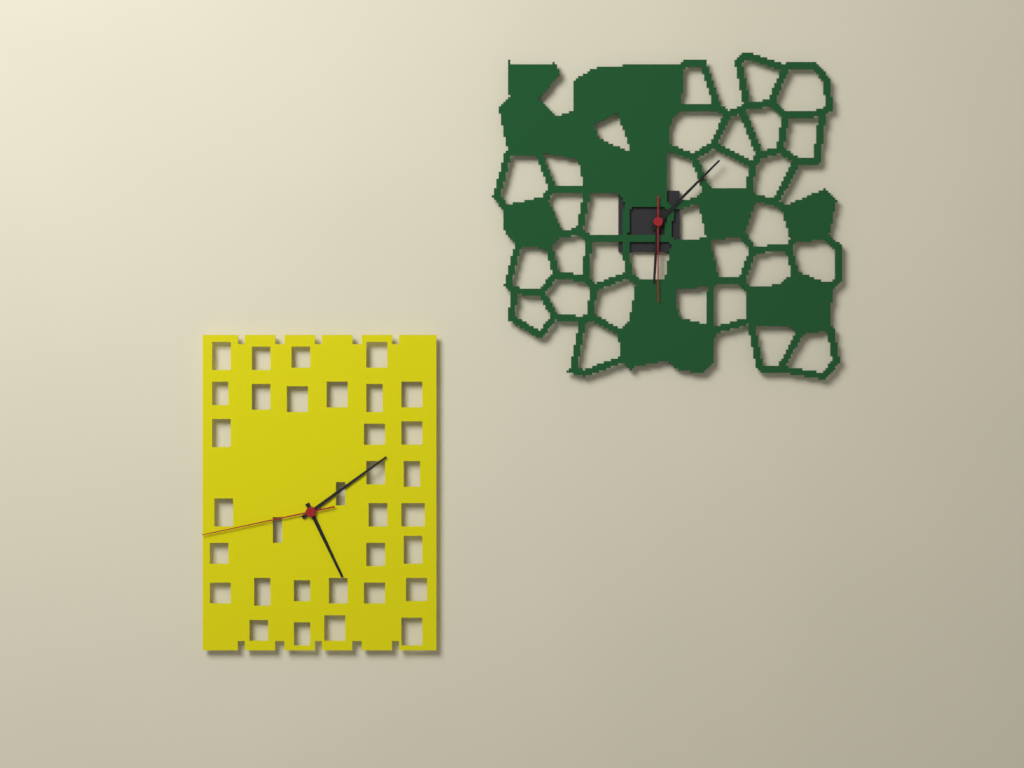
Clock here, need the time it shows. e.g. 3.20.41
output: 5.09.43
